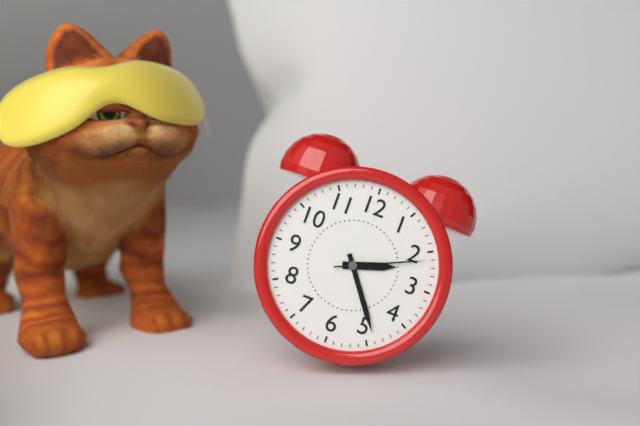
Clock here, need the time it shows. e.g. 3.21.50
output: 2.24.11
